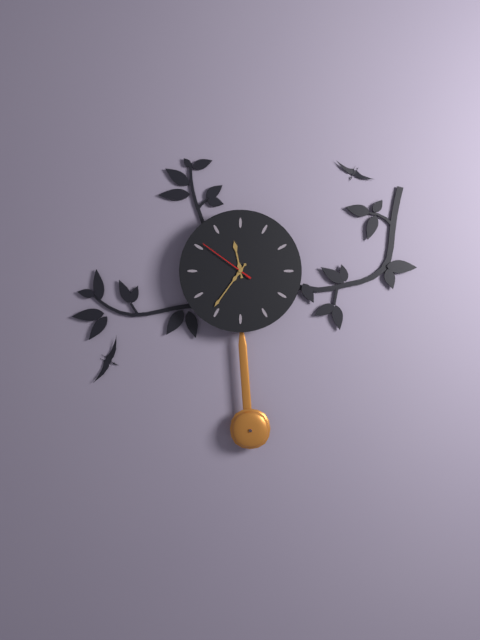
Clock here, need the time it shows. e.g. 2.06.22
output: 11.36.51
